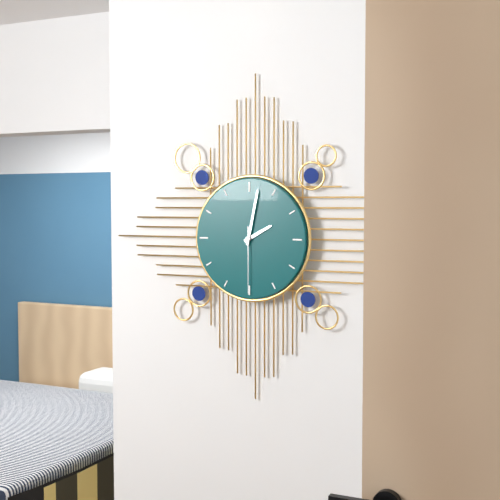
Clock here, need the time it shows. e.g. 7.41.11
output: 2.02.30
